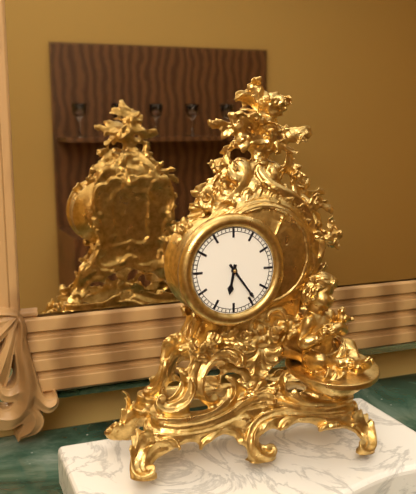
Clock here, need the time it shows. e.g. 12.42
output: 6.24
